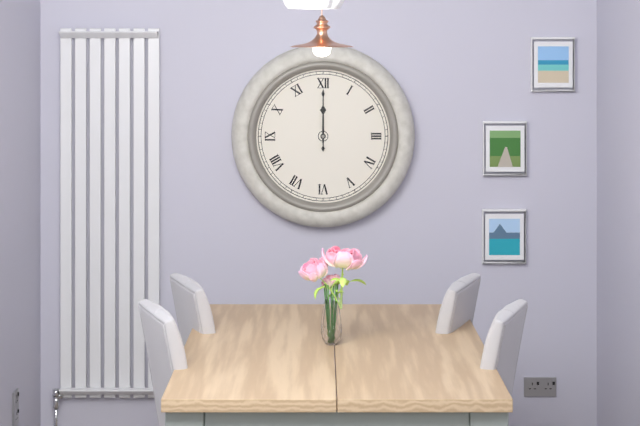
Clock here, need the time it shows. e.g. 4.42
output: 12.00
